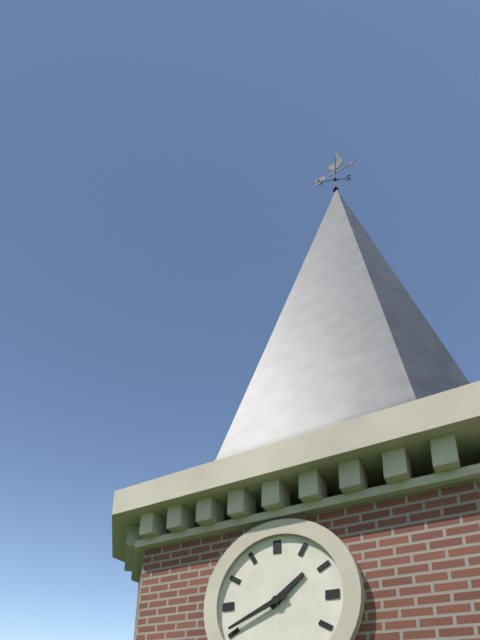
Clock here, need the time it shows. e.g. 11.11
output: 1.41
